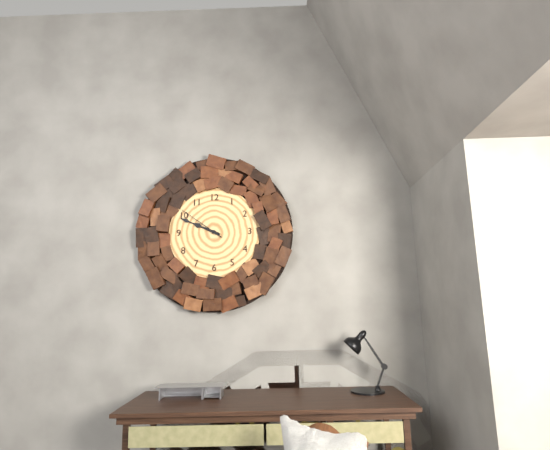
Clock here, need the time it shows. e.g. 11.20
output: 9.49
